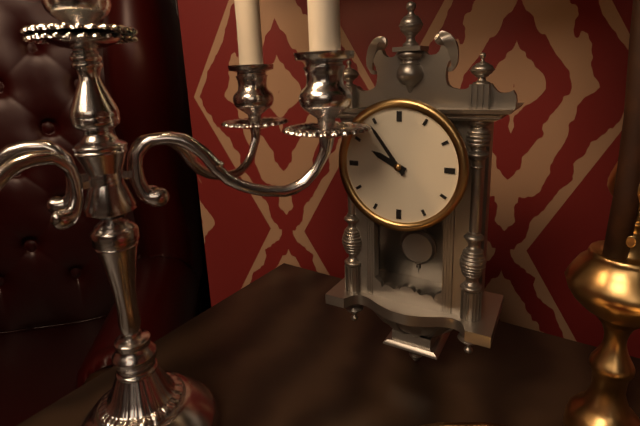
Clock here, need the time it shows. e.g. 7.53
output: 9.54
